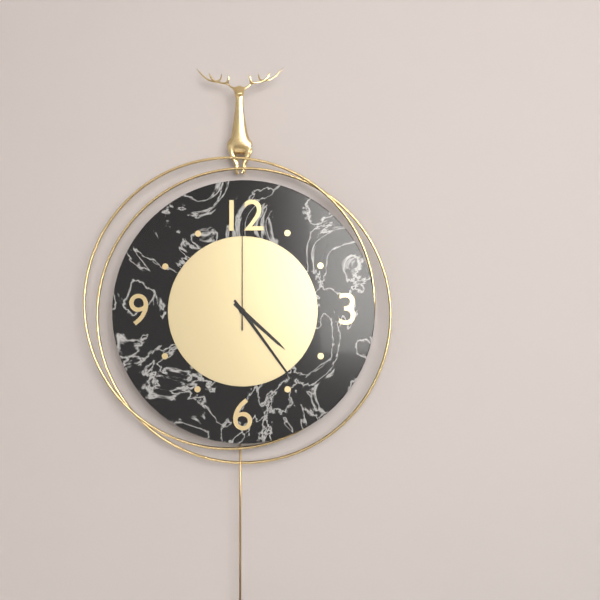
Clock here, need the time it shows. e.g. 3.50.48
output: 4.24.00
